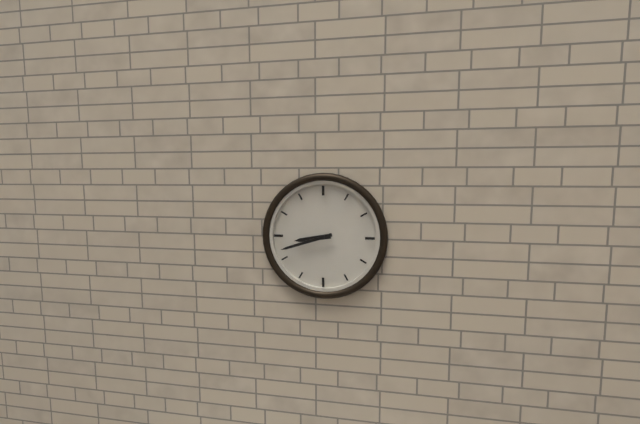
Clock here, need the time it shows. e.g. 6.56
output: 8.42
